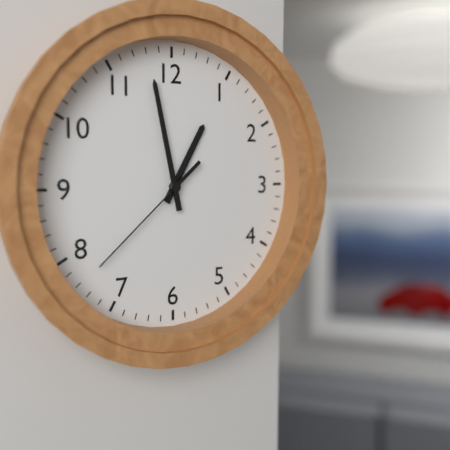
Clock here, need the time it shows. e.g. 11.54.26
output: 12.58.38
